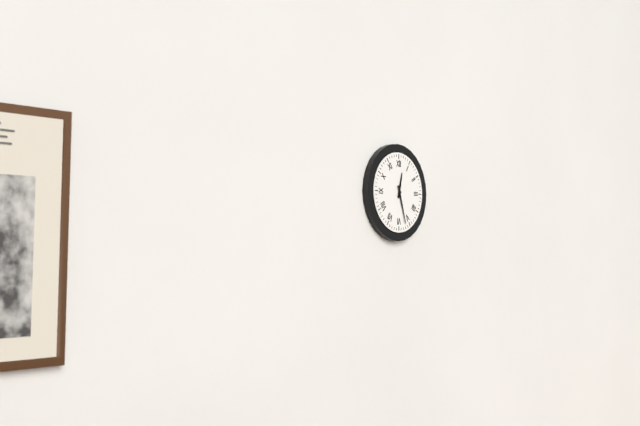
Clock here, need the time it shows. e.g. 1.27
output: 12.27
